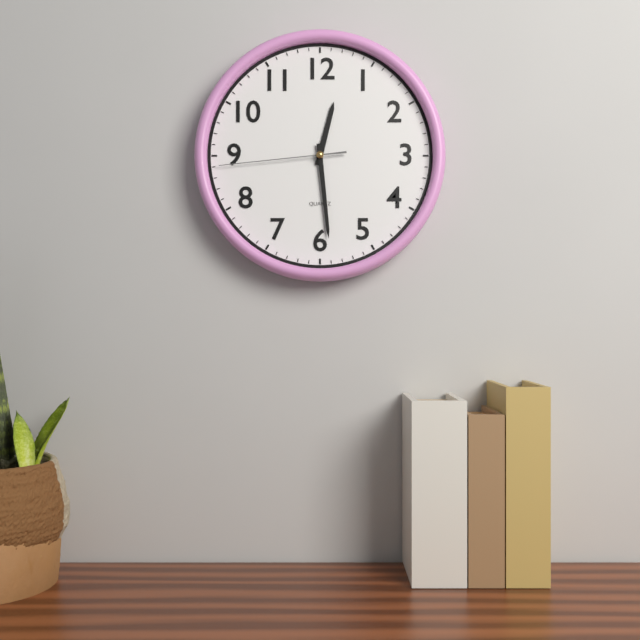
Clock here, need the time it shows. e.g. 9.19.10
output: 12.29.44
